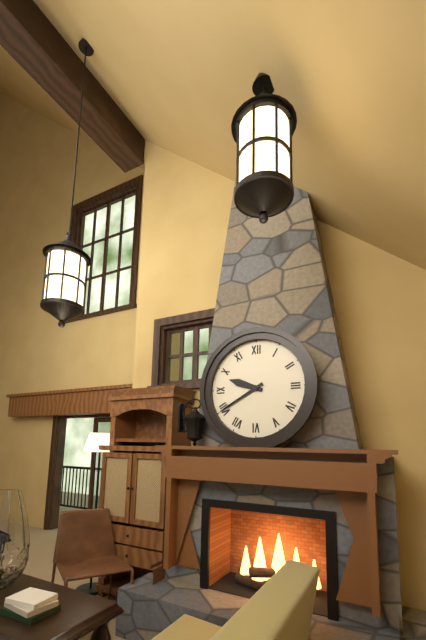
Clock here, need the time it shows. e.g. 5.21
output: 9.40
